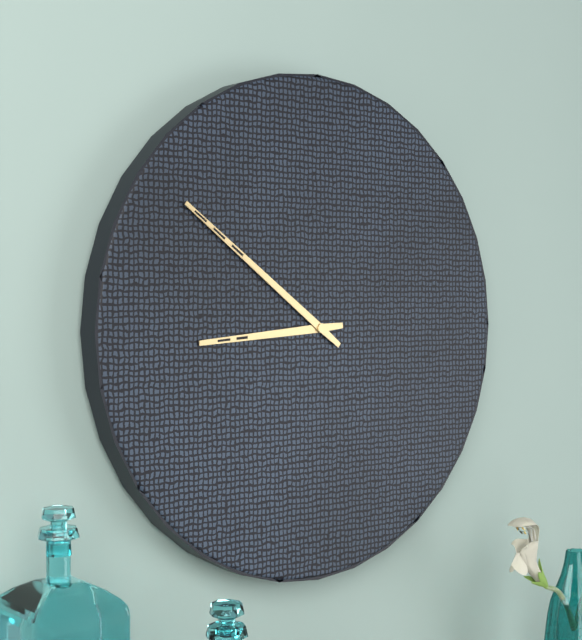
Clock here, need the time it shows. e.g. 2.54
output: 8.51
